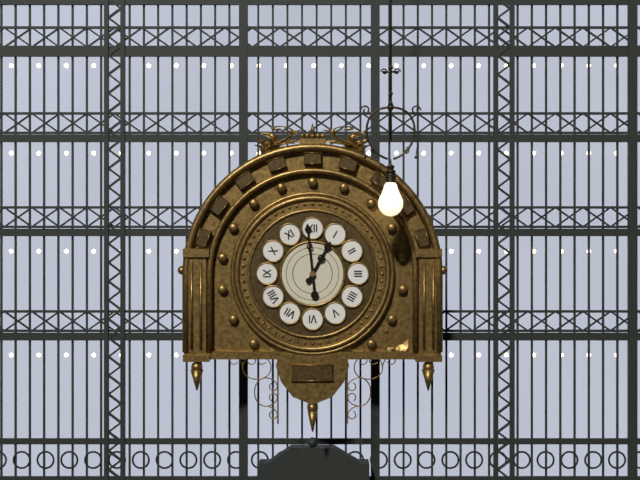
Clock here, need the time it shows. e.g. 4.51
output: 12.59
